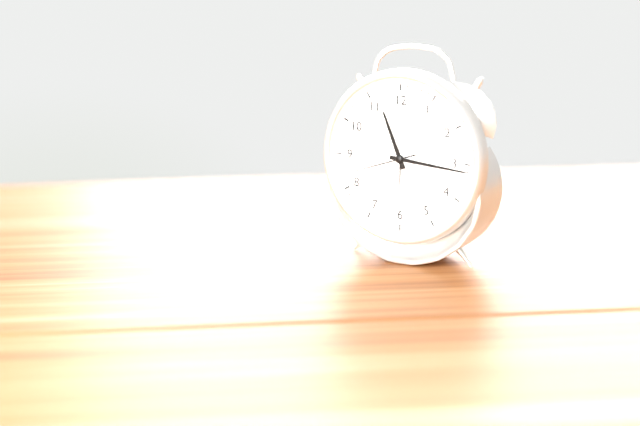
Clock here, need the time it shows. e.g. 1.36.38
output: 11.16.42
